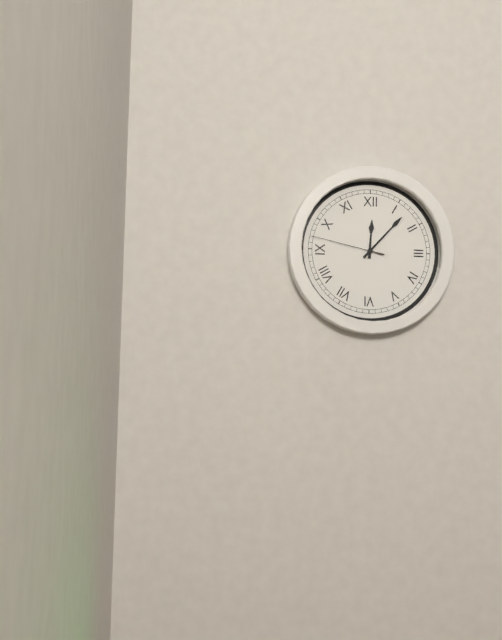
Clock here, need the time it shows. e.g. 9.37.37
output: 12.07.47
